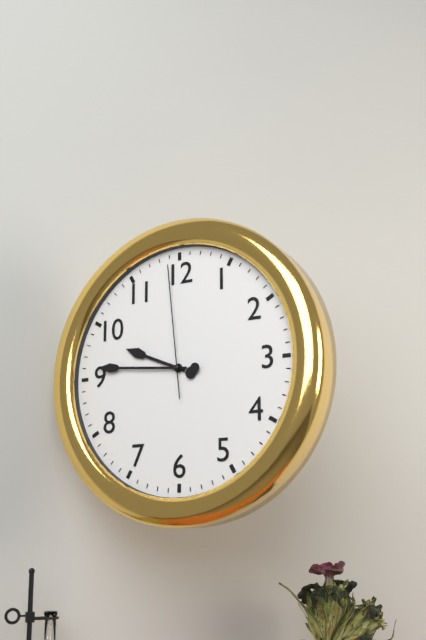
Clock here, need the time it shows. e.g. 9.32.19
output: 9.46.59
